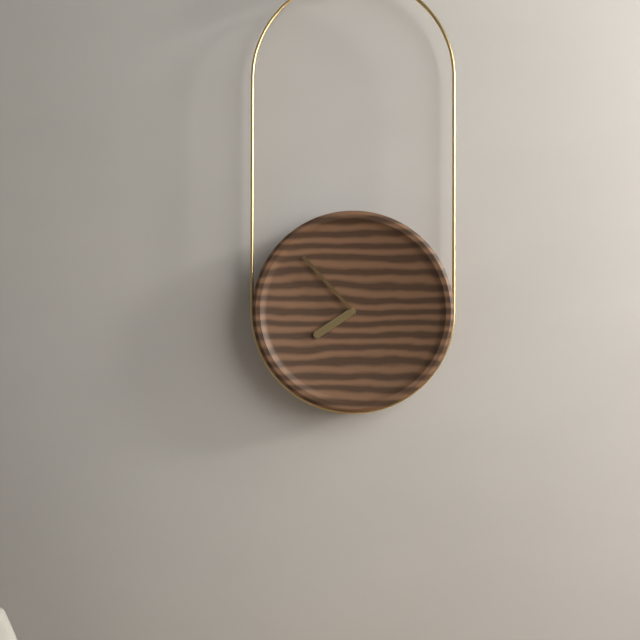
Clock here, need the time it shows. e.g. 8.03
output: 7.53
